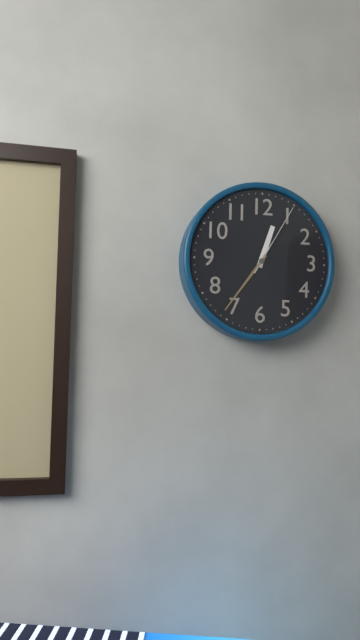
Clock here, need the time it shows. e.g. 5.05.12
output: 12.36.05
